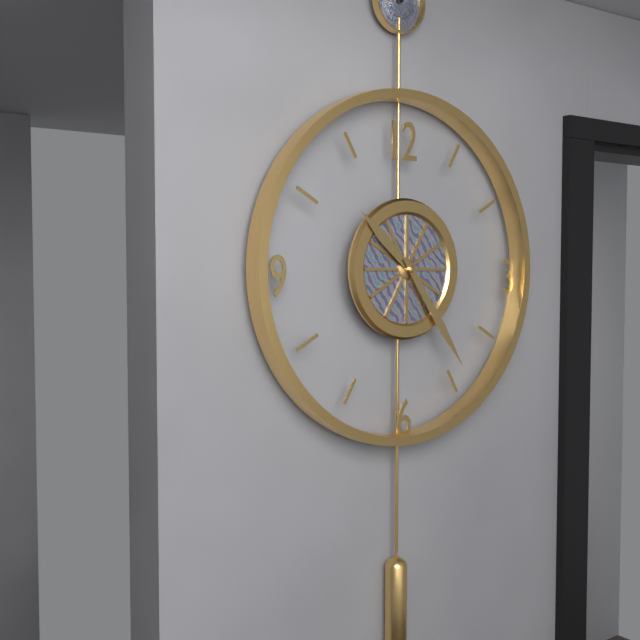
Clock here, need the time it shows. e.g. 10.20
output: 10.24
